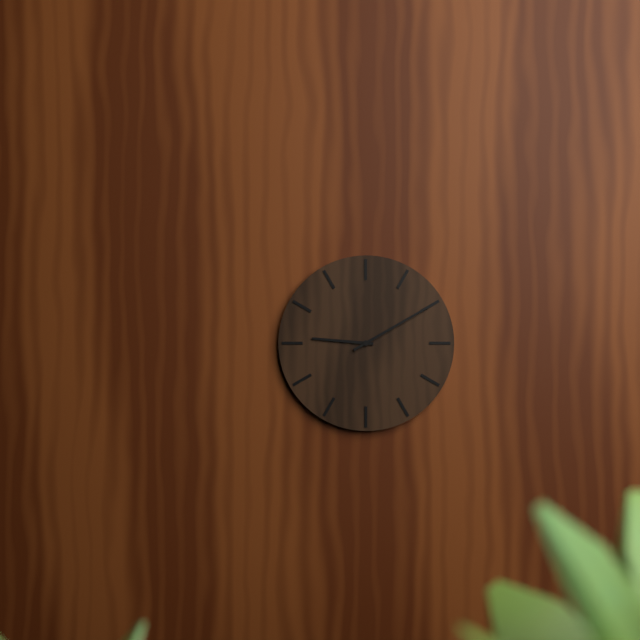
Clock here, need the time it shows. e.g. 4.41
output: 9.10
